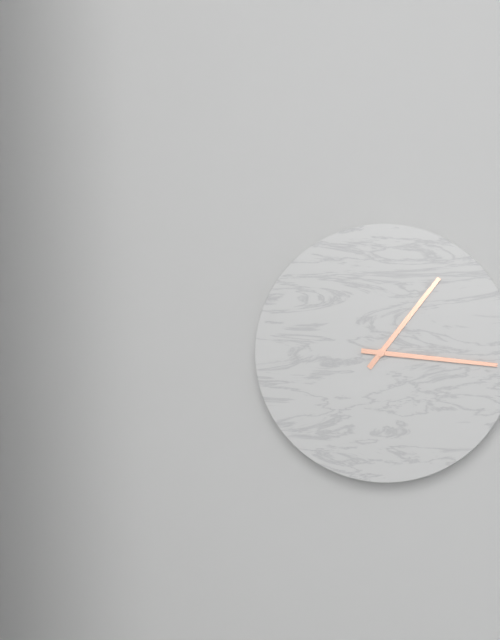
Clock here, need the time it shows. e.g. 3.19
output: 1.16
